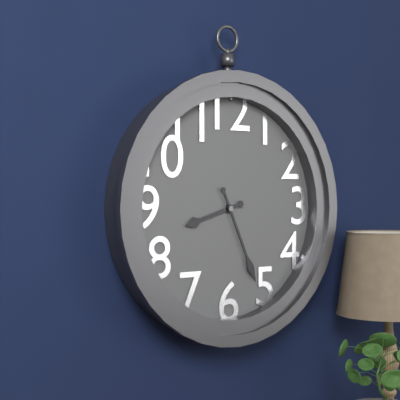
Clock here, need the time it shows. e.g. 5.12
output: 8.26
